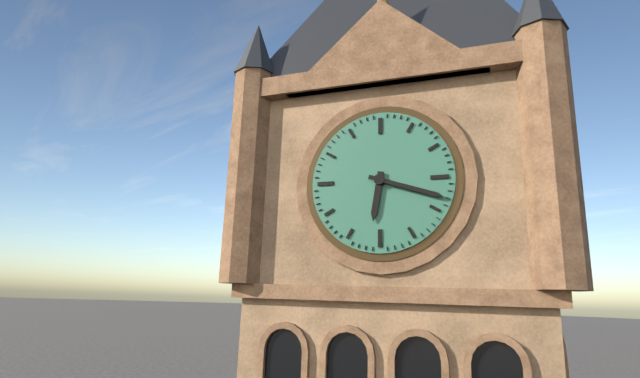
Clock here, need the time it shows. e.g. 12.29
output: 6.18
